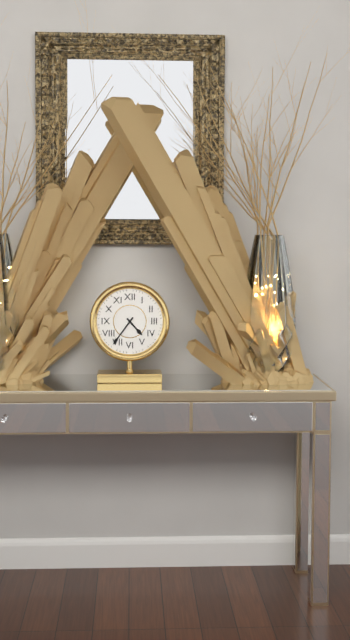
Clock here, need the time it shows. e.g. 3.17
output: 4.36
